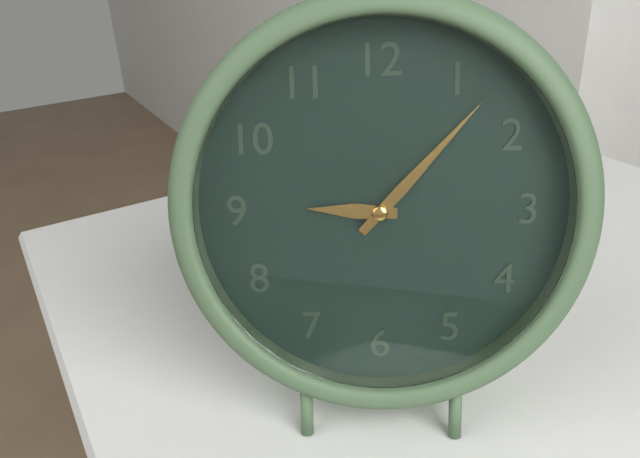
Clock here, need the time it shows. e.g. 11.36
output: 9.07
